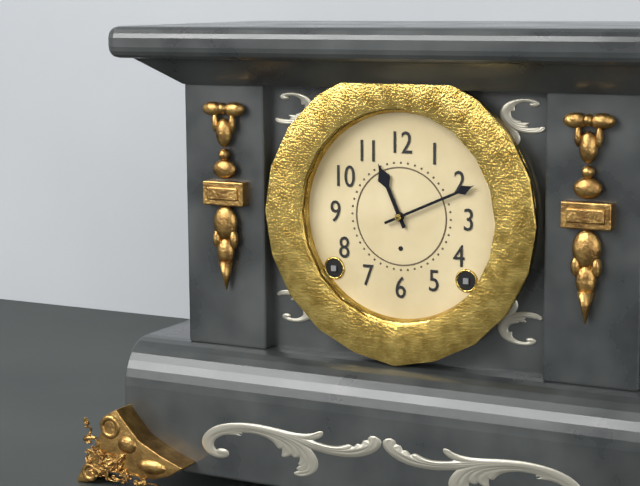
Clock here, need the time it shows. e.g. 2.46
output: 11.11
